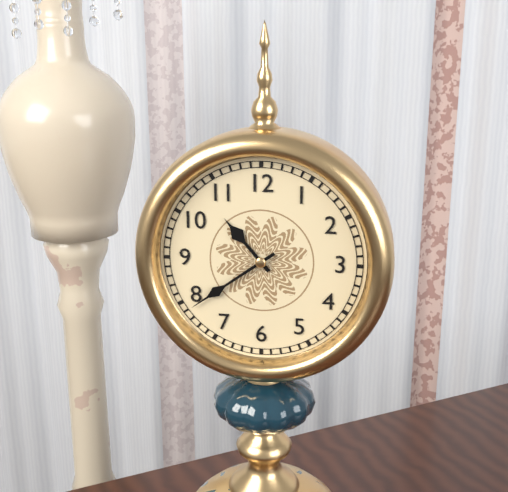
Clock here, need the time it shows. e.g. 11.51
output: 10.39
